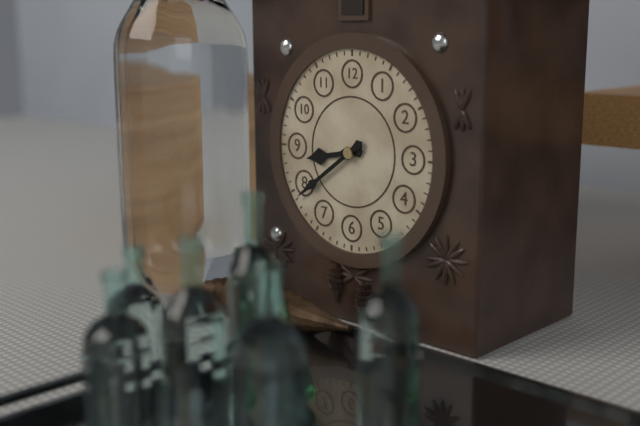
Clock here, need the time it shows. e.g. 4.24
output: 8.39
